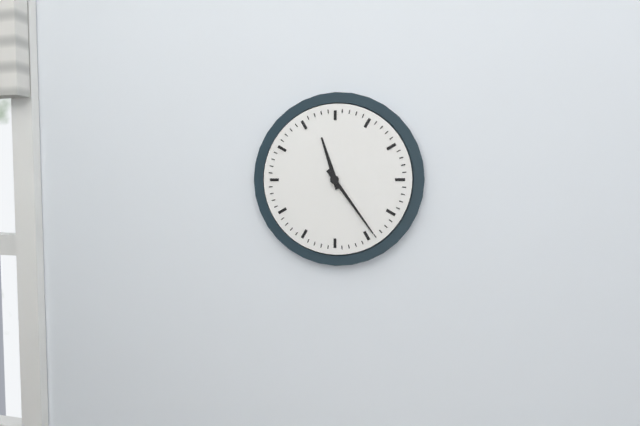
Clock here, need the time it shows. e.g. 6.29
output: 11.24
